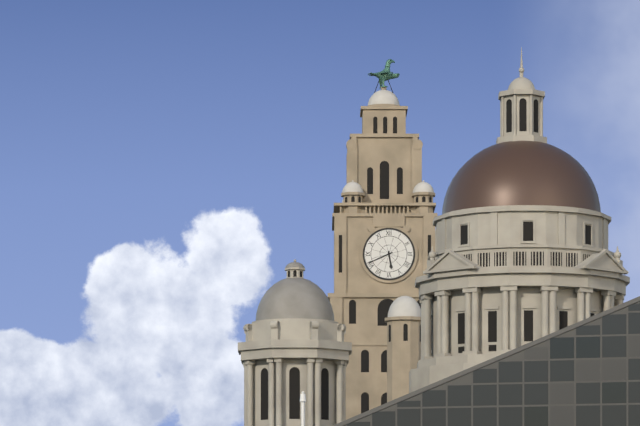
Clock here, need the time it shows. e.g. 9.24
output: 5.41
